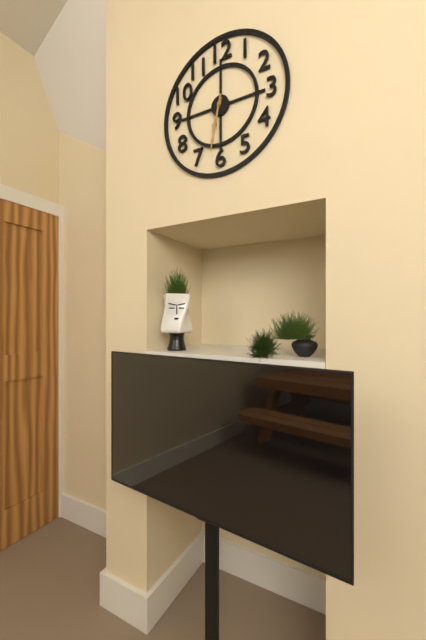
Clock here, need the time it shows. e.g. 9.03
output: 6.32
